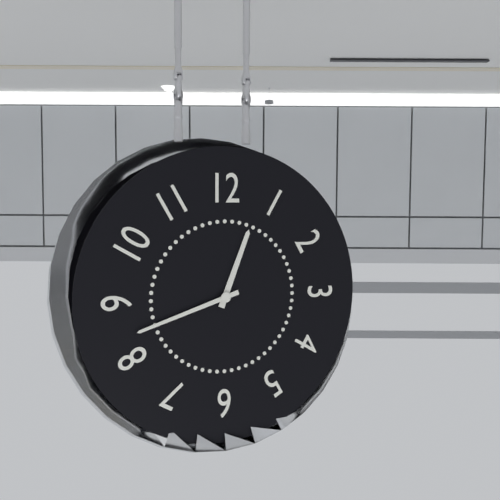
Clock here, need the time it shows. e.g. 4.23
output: 12.42
